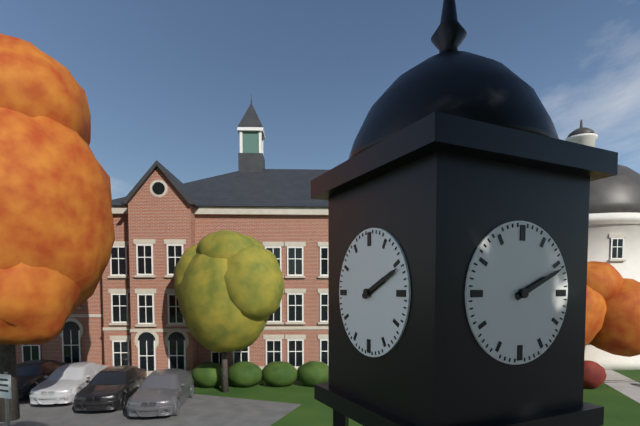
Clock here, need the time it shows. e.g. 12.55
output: 2.11
